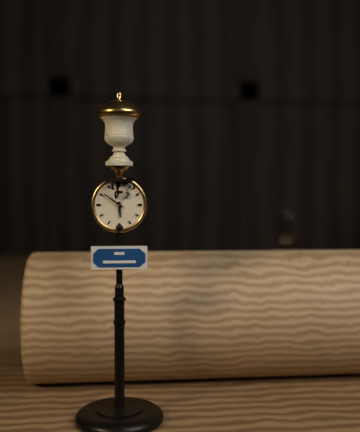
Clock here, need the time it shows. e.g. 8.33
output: 5.51
